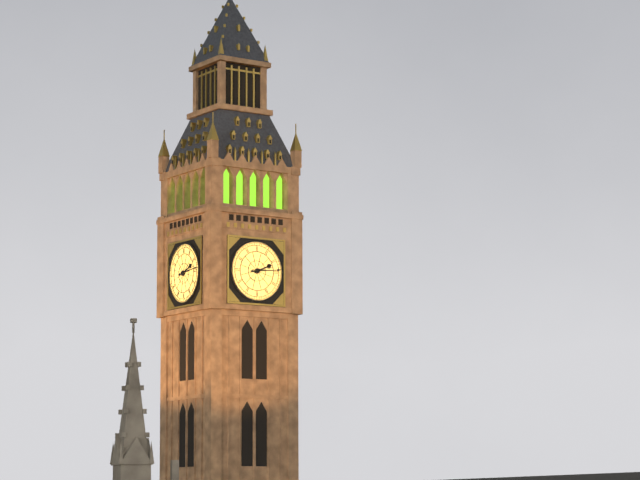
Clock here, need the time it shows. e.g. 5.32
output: 2.14
